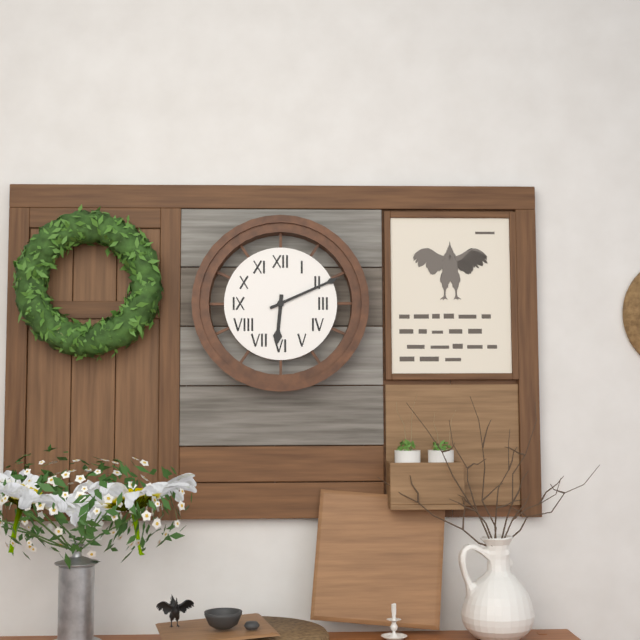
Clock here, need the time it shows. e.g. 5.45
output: 6.11
